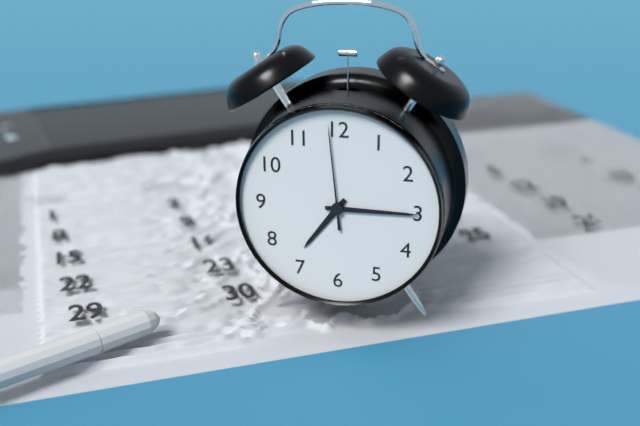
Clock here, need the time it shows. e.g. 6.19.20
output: 7.15.59
